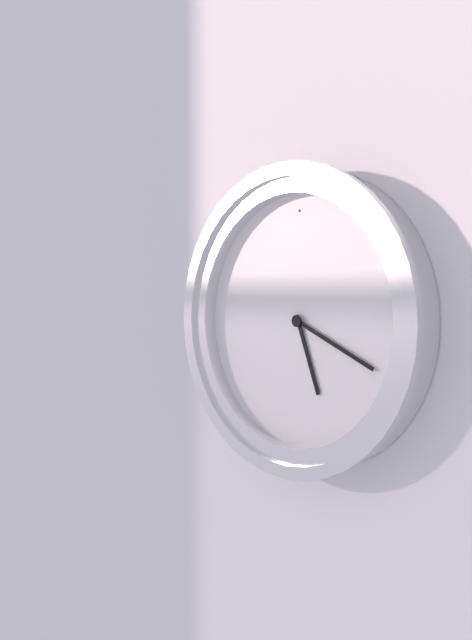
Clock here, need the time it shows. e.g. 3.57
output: 5.19
